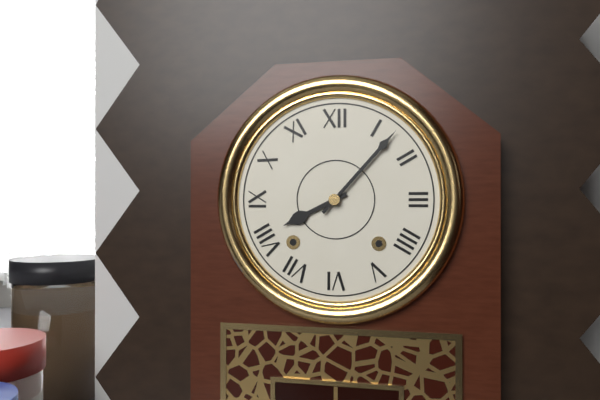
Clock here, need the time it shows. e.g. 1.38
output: 8.07
